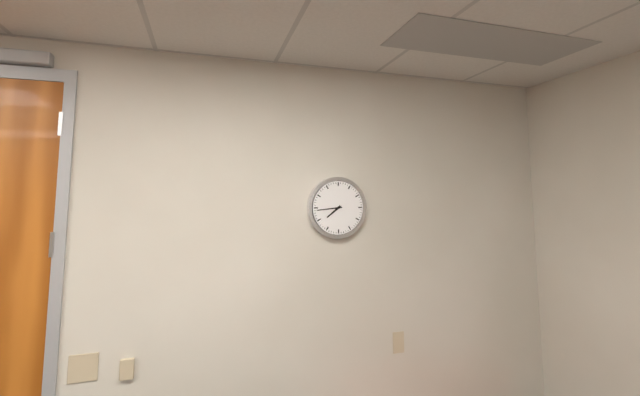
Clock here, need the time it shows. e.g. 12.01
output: 7.44
